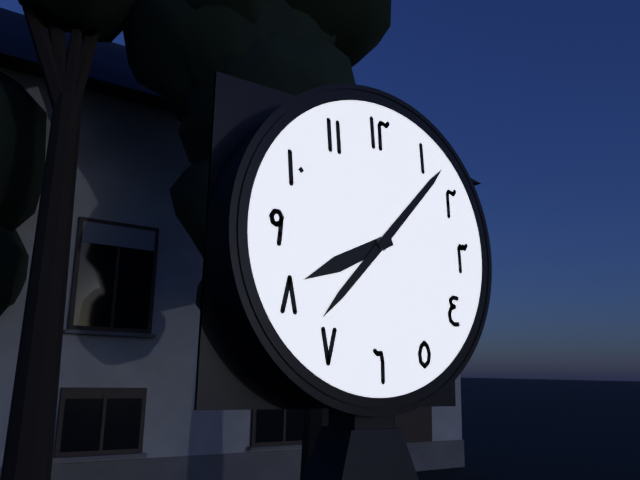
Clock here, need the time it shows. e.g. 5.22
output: 8.07
